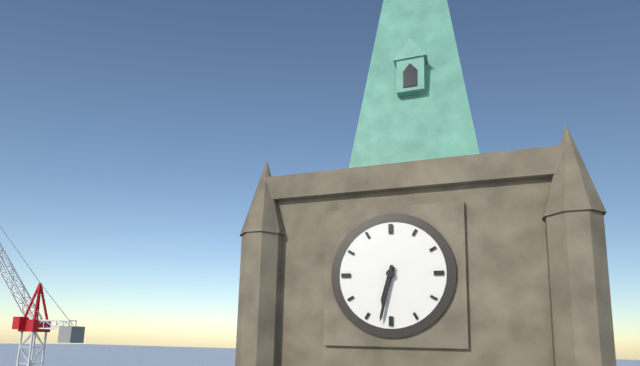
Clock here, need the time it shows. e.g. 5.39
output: 6.32
